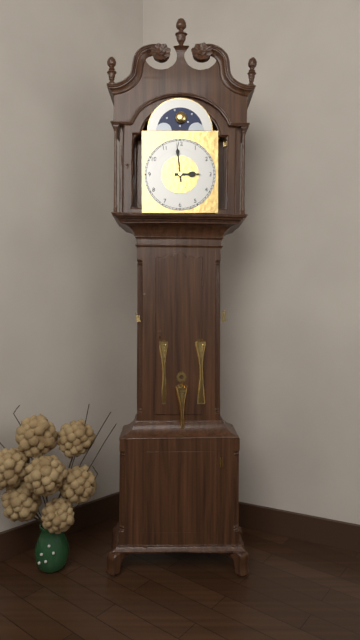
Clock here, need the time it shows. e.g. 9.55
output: 2.59
